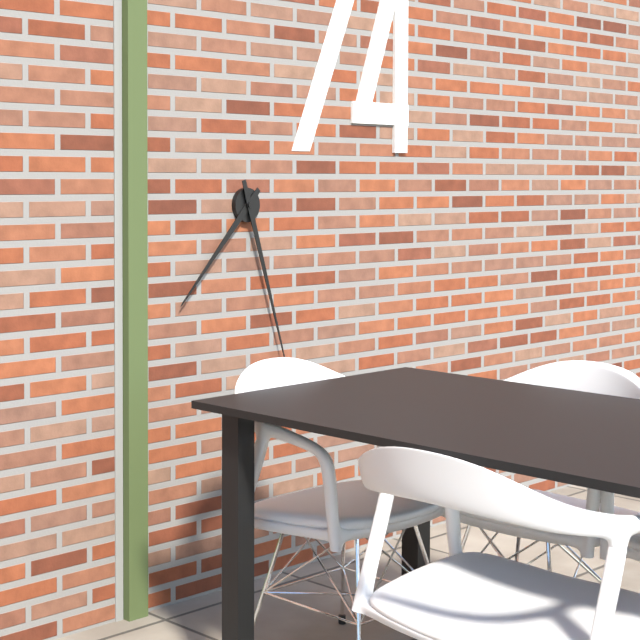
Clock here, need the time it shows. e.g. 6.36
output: 7.27
